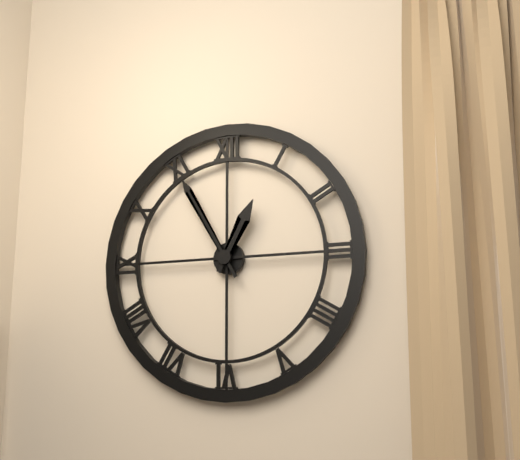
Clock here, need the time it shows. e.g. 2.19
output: 12.55
